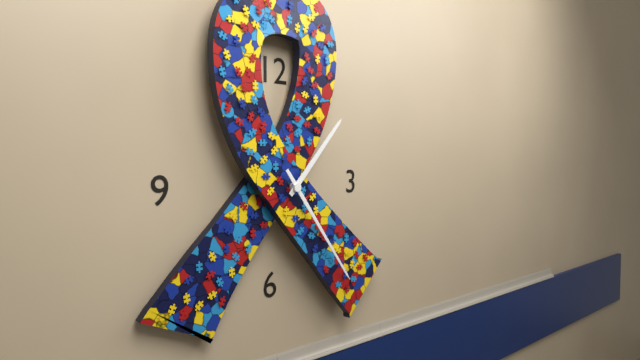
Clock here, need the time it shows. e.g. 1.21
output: 1.24
